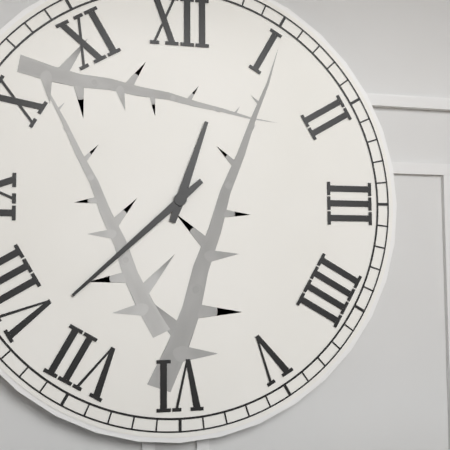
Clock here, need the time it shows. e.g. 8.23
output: 12.38
